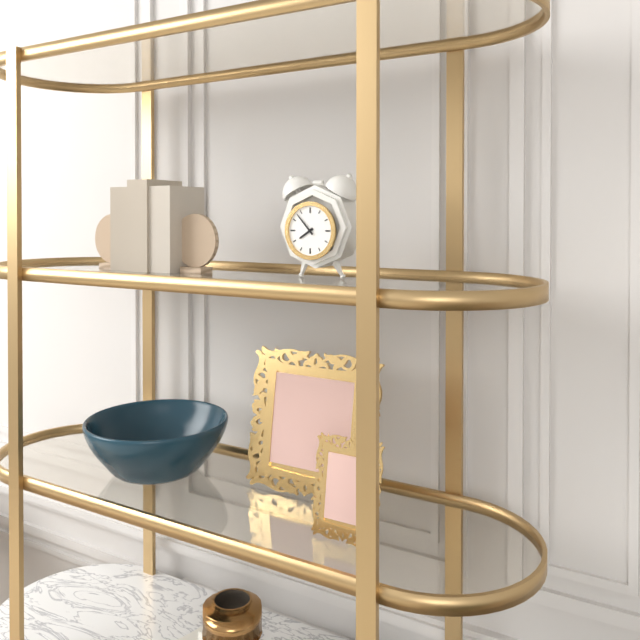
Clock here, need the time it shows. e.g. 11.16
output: 7.53
